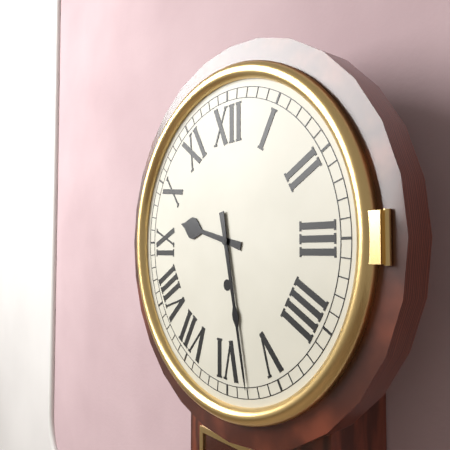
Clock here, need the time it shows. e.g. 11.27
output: 9.28
